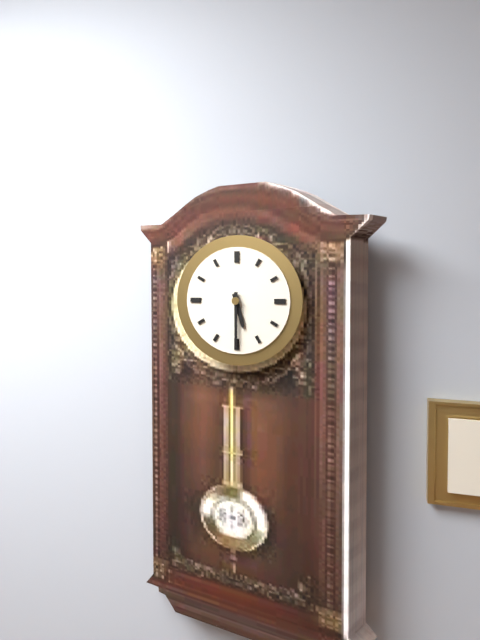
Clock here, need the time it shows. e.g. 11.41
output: 5.30
